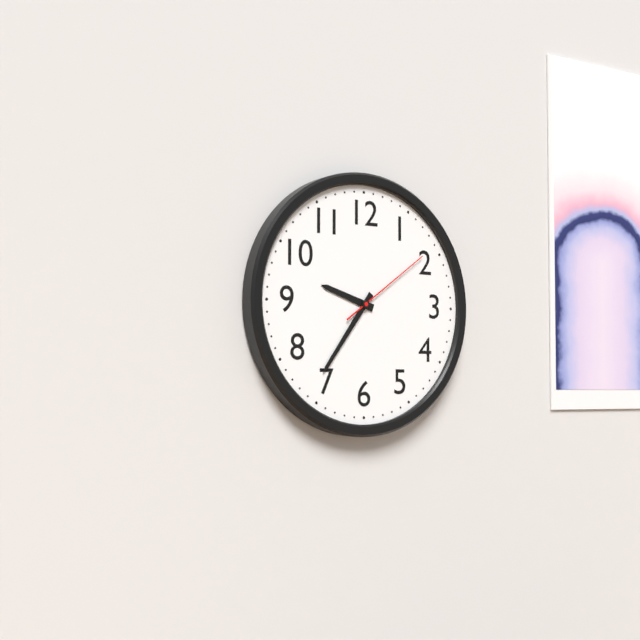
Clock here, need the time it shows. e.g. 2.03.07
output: 9.36.09
